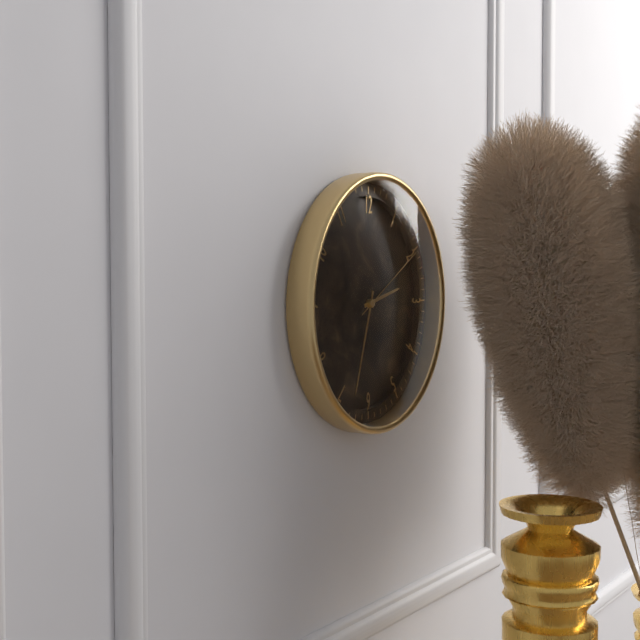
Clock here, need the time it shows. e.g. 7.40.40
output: 2.33.10
